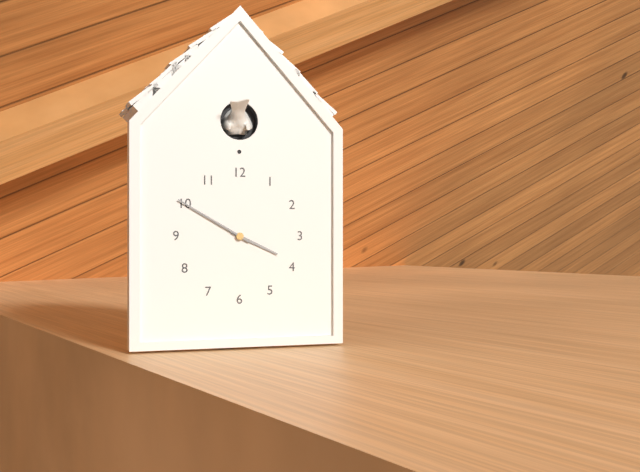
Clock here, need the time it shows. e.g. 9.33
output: 3.50
